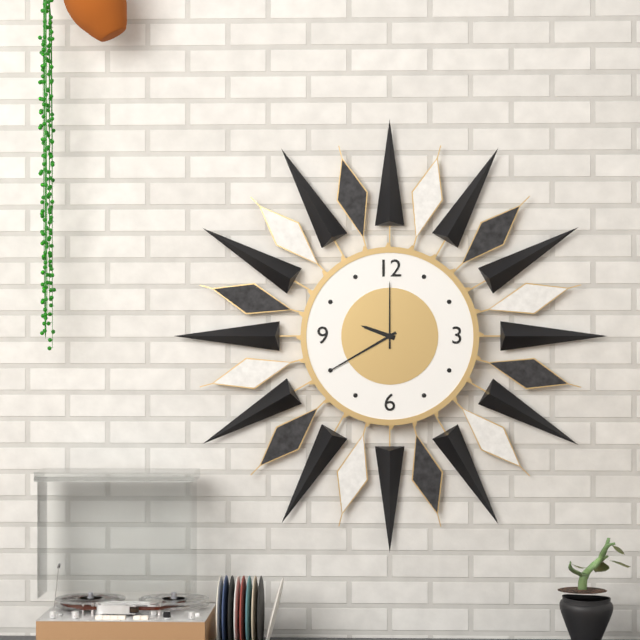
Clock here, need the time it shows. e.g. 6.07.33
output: 9.40.00
